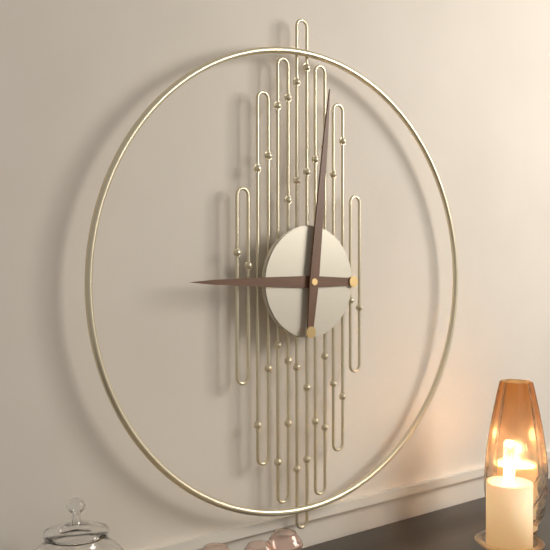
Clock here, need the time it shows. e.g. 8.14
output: 9.01
